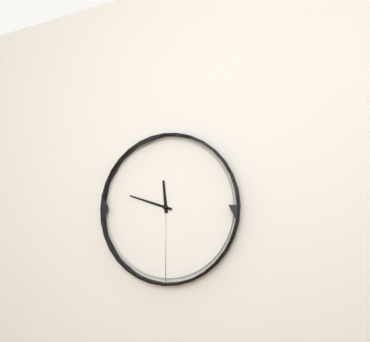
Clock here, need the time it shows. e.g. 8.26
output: 11.48
